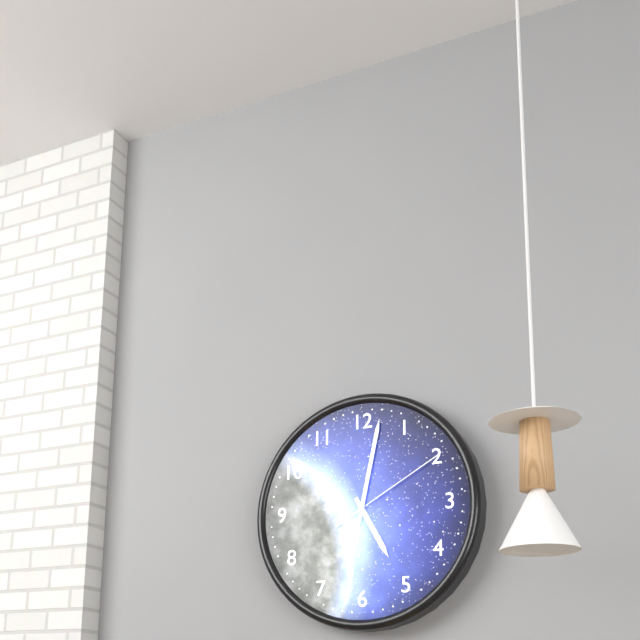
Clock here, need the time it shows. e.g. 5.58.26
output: 5.02.10
